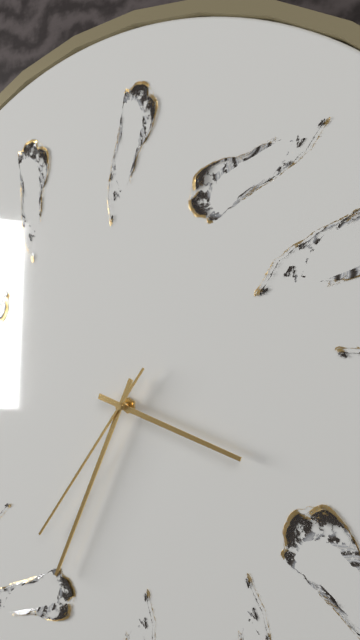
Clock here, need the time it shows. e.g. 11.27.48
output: 3.34.36
